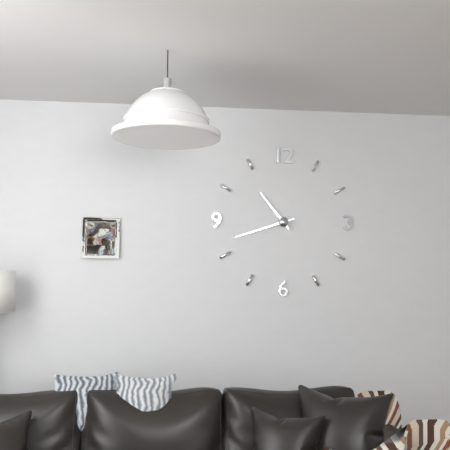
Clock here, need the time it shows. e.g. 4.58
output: 10.42
